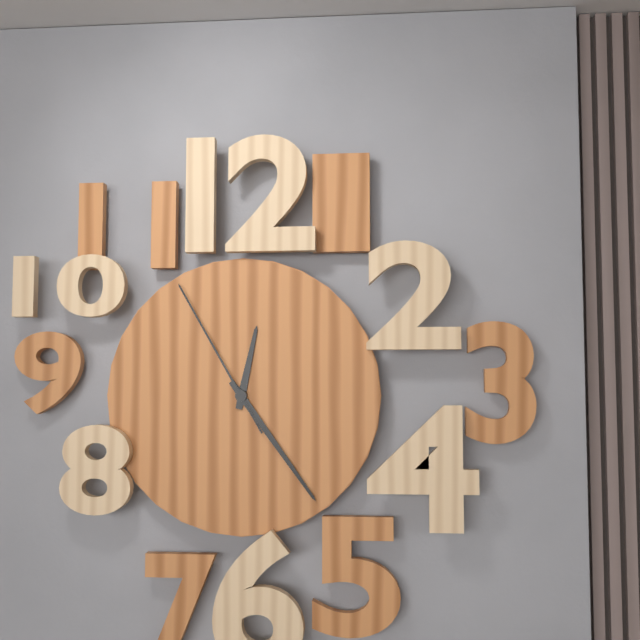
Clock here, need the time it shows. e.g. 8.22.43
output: 12.24.55
